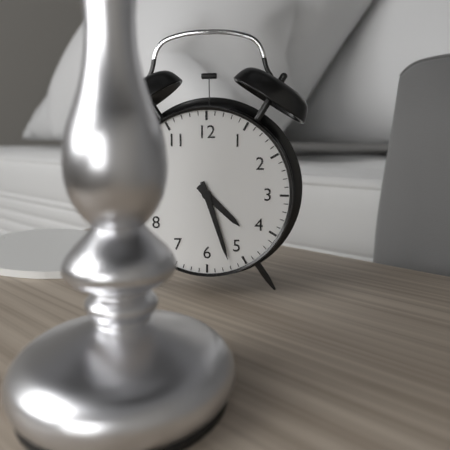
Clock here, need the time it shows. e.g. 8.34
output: 4.27
